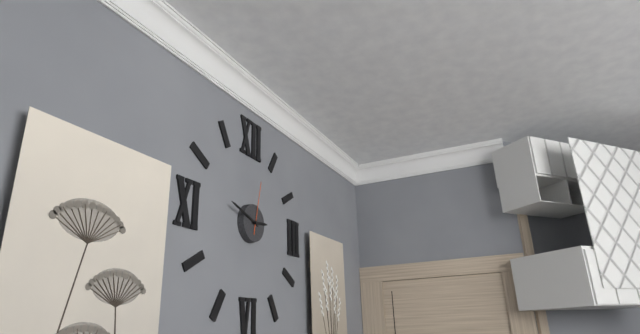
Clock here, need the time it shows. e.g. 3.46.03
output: 2.48.02
